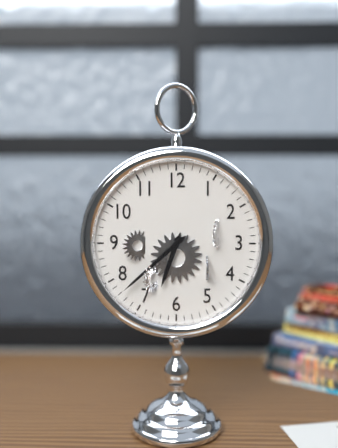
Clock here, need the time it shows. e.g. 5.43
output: 6.38
